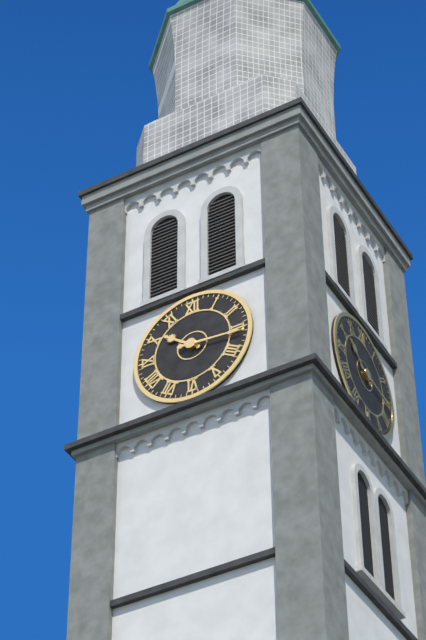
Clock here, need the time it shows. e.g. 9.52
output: 10.16
